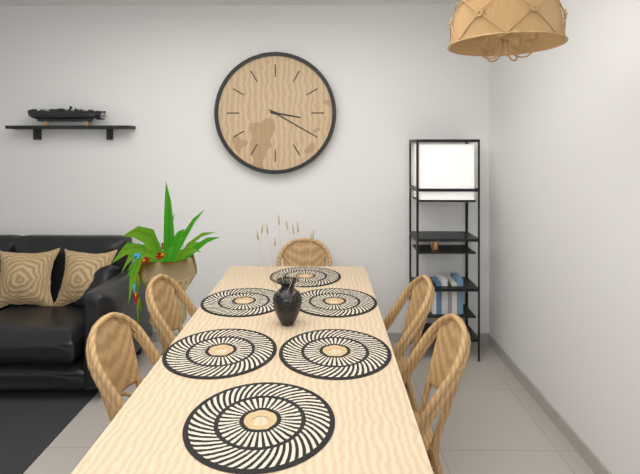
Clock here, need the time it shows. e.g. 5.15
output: 3.20
